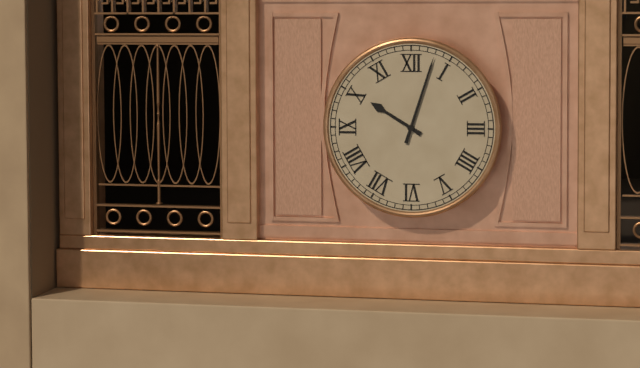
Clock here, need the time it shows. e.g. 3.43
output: 10.03
